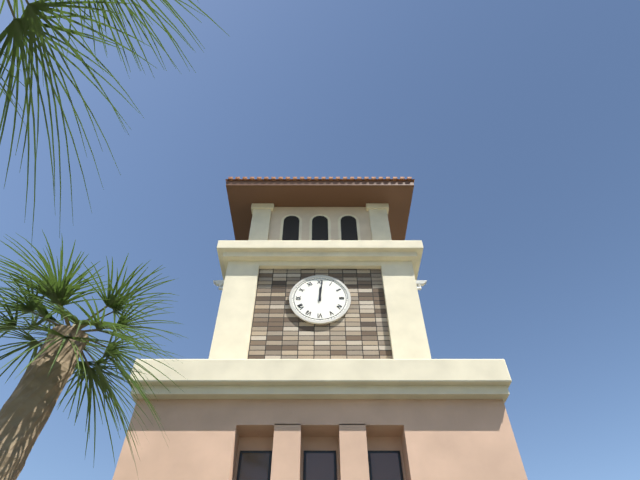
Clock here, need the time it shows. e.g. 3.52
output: 12.01
